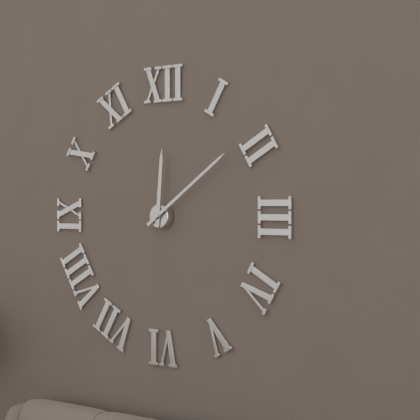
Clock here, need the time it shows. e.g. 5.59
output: 12.09
